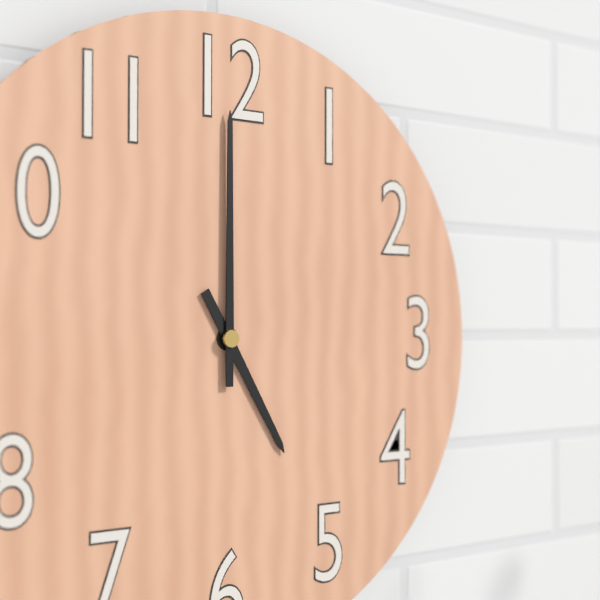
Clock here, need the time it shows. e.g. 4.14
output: 5.00
